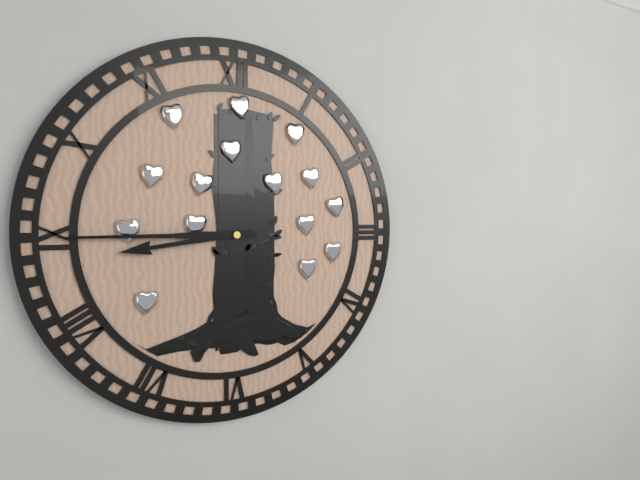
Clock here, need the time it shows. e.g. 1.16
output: 8.45
